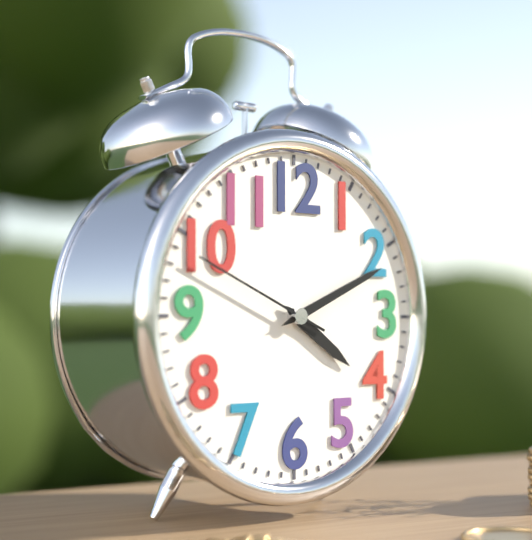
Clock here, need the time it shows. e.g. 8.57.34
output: 4.11.49
